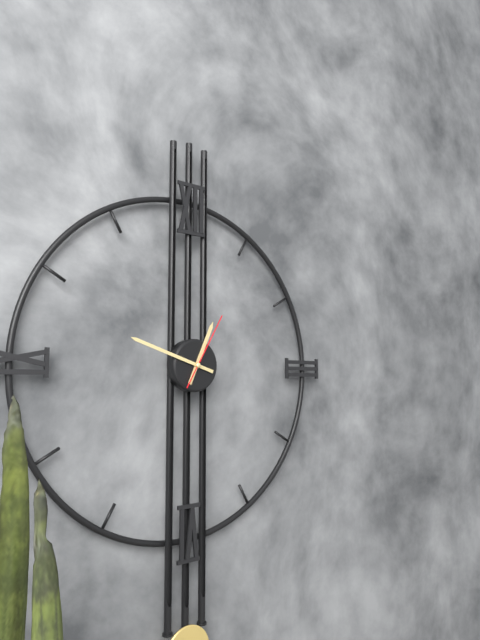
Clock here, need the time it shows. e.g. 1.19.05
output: 12.48.05
